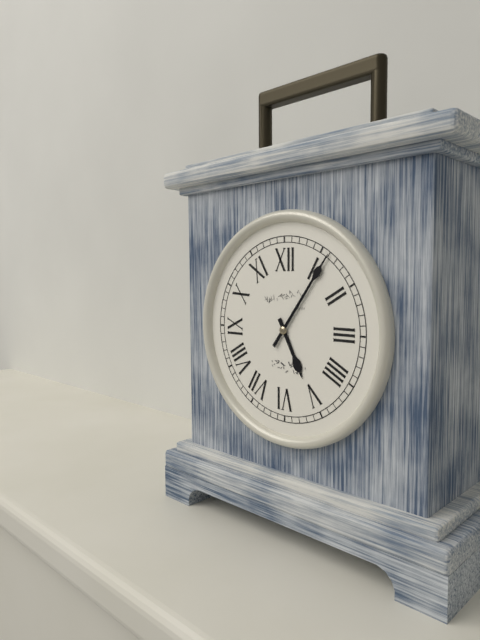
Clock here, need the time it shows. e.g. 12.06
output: 5.06
